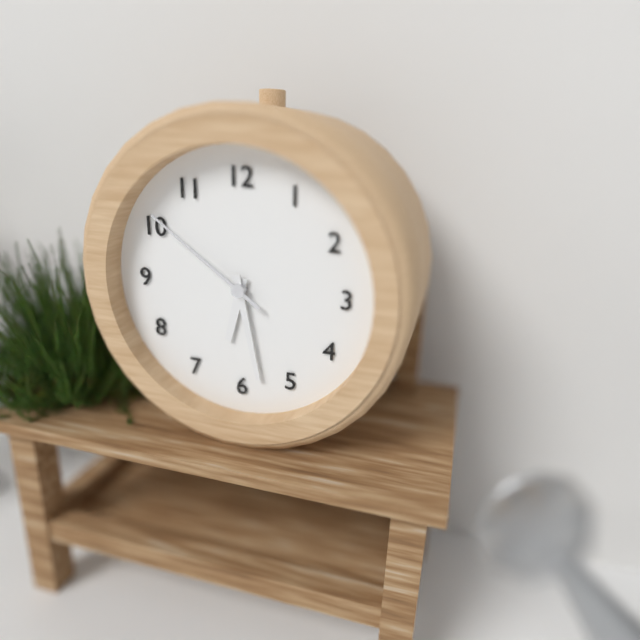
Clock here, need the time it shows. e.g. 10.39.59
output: 6.28.51
